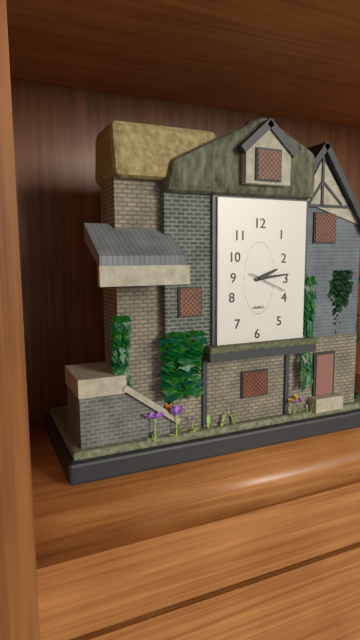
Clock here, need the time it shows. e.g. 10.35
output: 2.14
